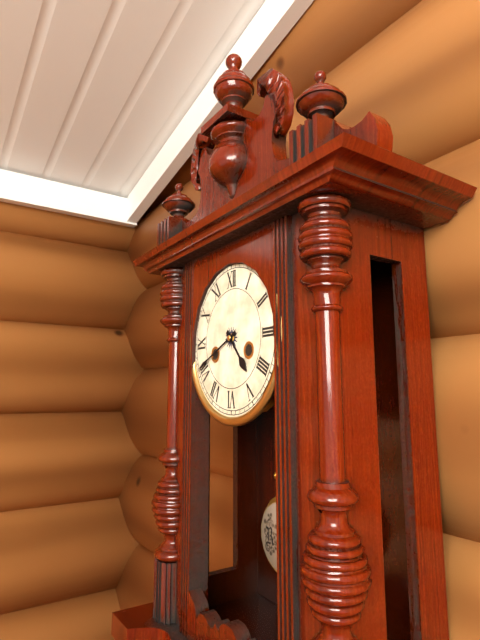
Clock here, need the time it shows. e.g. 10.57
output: 4.41
